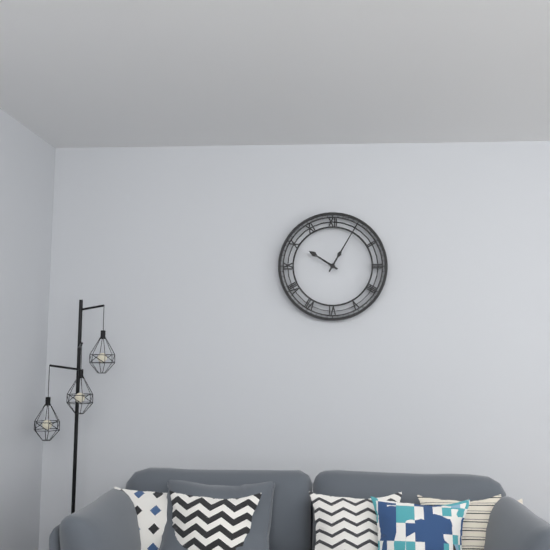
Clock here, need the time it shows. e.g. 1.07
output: 10.05
